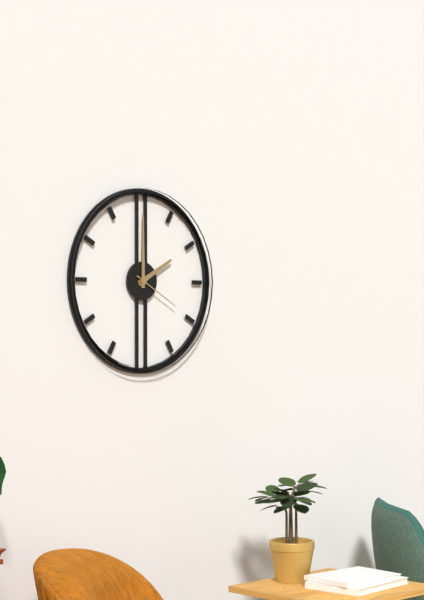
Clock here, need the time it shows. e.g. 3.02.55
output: 2.00.20
